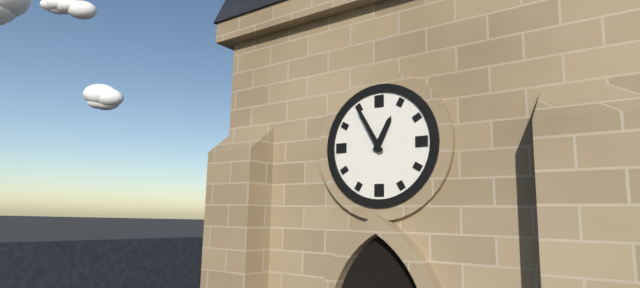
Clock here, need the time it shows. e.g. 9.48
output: 12.55
